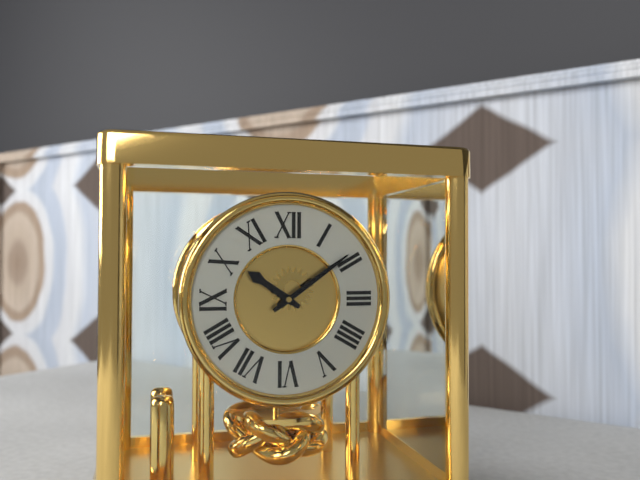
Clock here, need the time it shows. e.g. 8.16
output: 10.09
